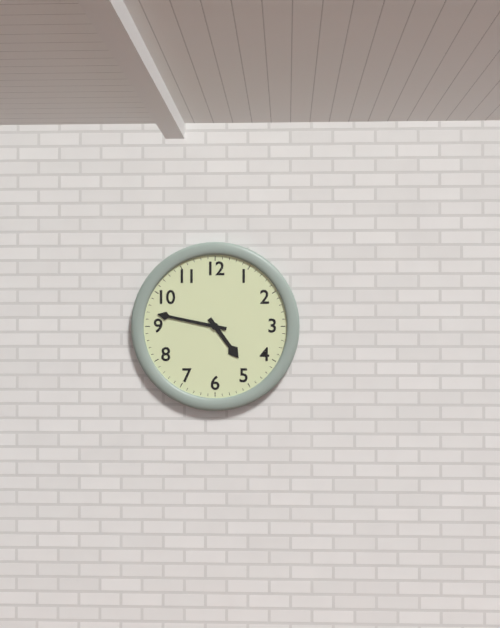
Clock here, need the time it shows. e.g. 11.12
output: 4.47
